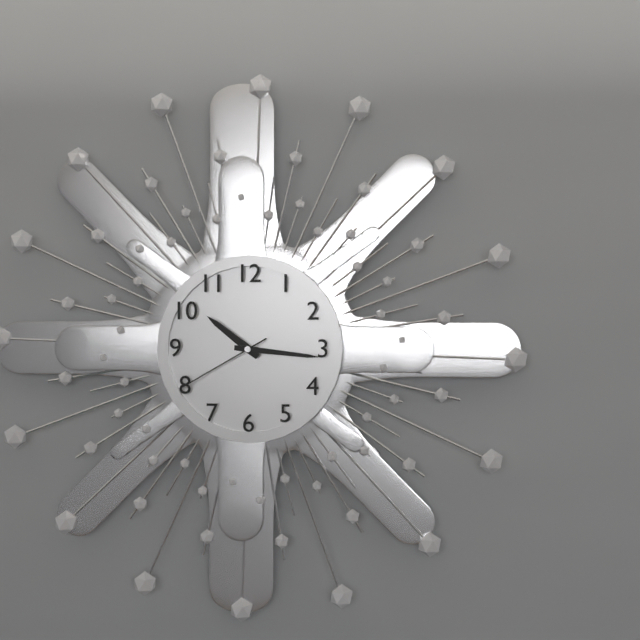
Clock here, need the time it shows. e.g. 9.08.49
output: 10.16.40
